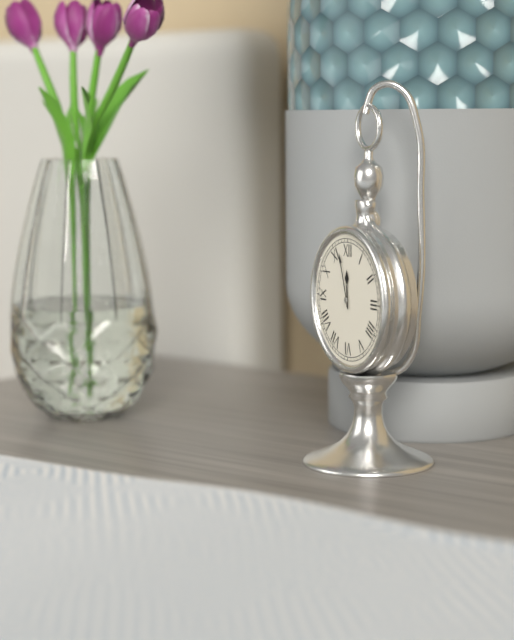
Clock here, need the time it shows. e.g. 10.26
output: 11.57
